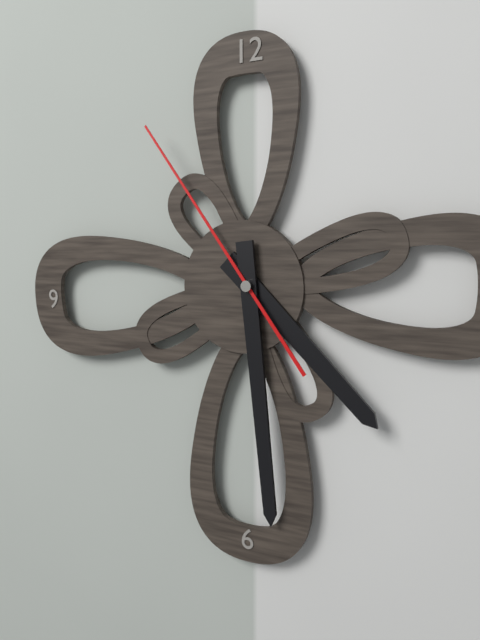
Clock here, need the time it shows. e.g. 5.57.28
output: 4.29.54
